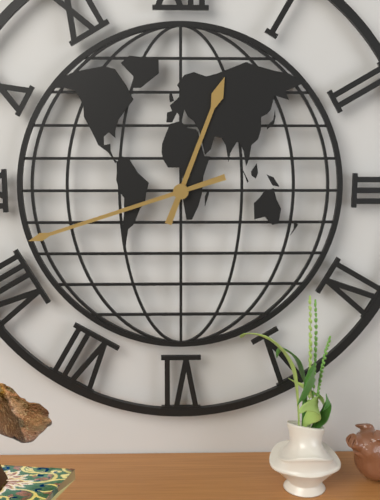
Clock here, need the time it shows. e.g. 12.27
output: 12.42
